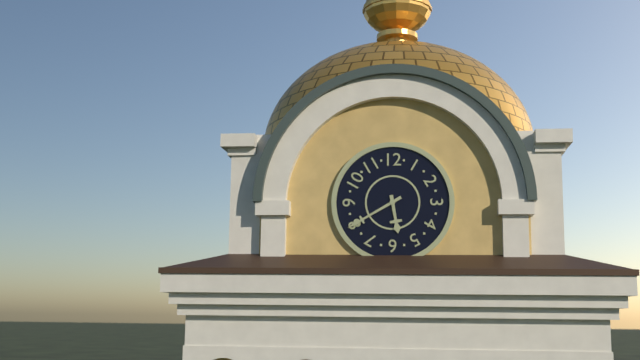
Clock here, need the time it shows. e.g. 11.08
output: 5.40
